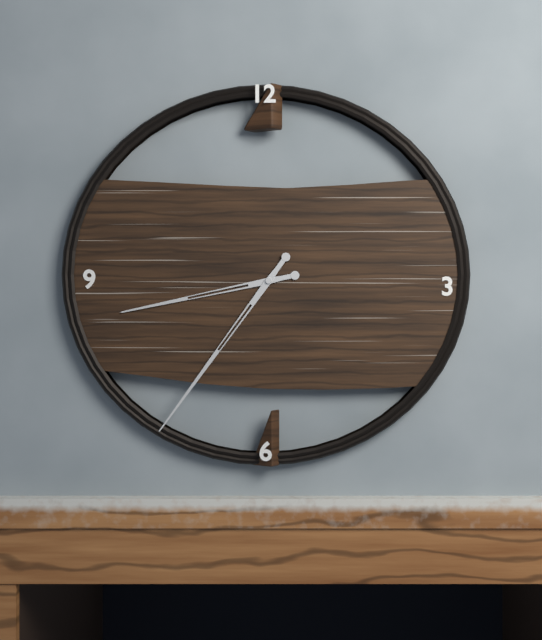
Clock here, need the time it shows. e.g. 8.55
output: 8.36
